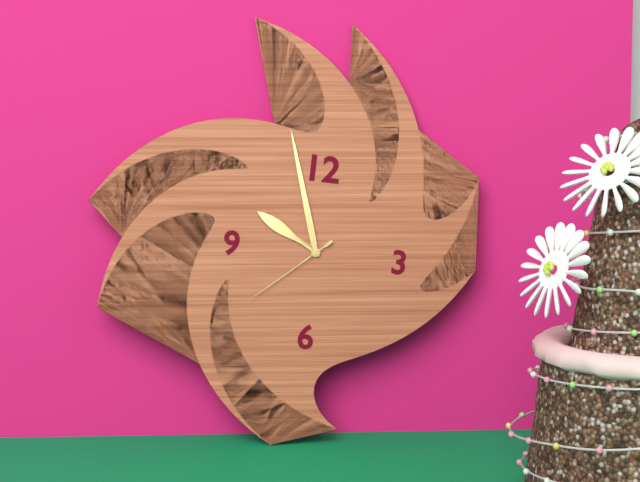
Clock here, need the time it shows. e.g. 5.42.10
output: 9.57.38
